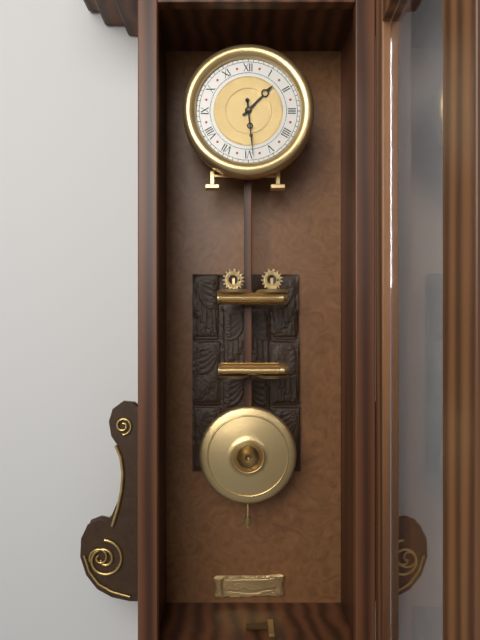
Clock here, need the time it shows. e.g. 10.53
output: 1.29
